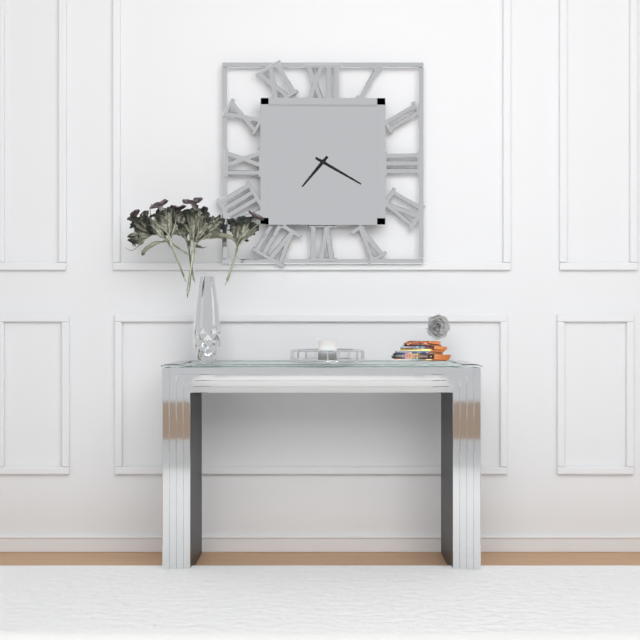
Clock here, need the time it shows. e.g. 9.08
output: 7.20
